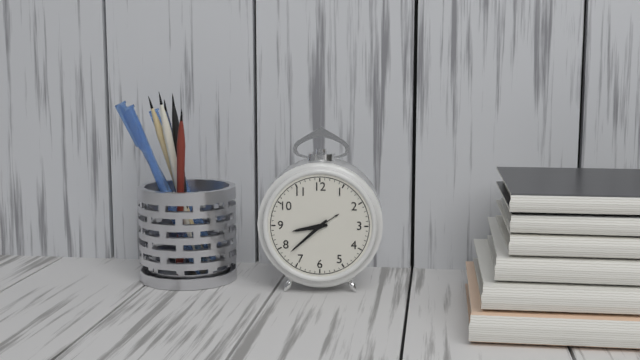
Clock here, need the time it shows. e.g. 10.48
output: 8.38
